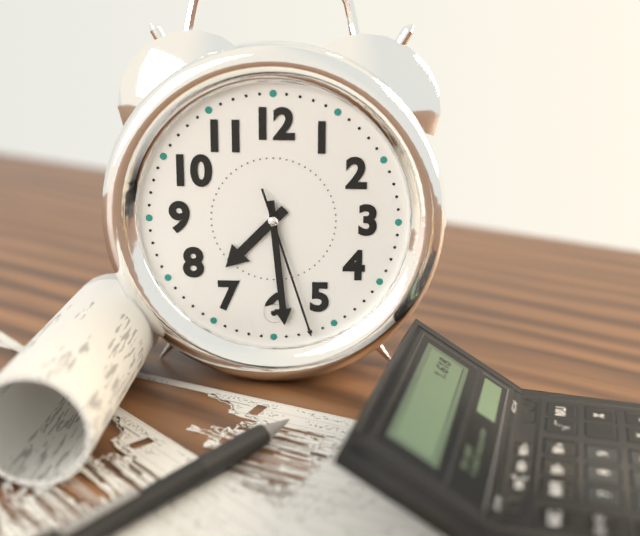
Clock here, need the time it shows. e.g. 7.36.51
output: 7.29.27
